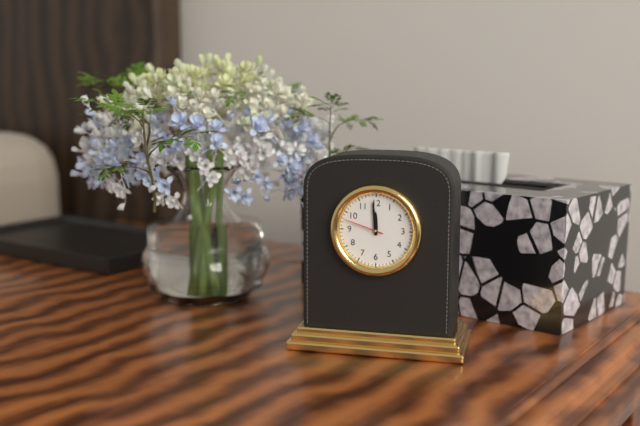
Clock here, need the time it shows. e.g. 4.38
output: 11.59
